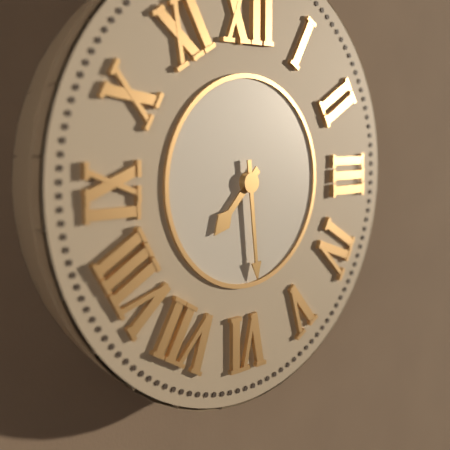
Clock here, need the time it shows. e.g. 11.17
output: 7.29
